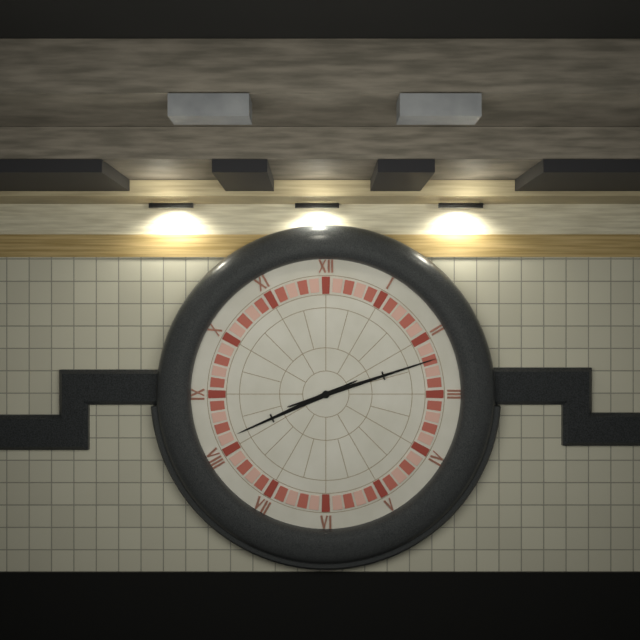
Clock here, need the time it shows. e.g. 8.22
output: 8.12
